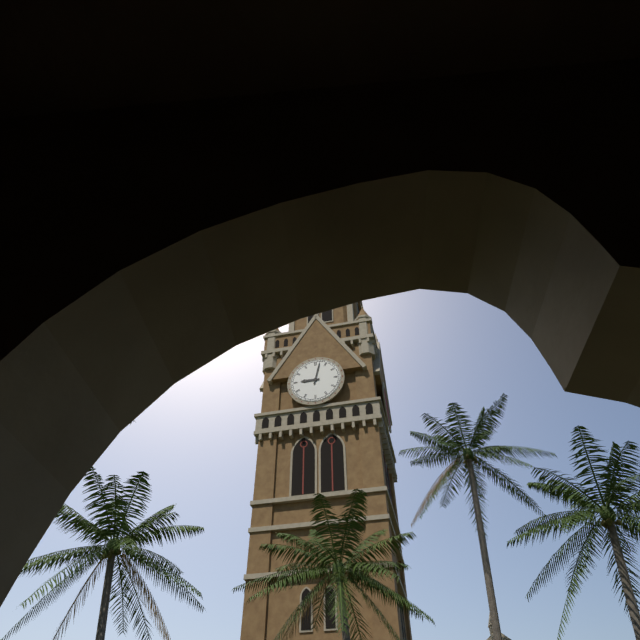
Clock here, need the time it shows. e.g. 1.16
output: 9.02
